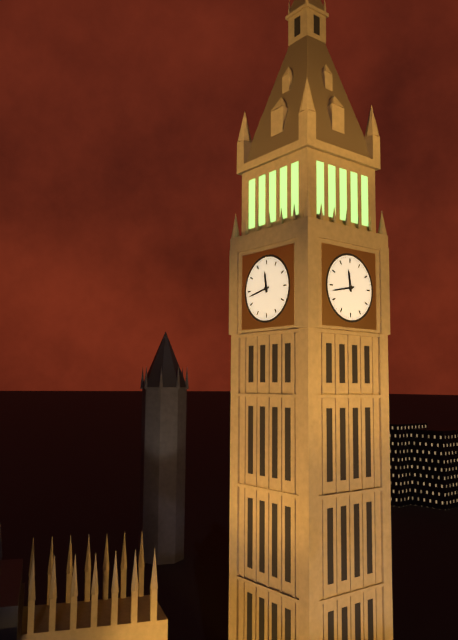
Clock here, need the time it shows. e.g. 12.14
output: 11.43
